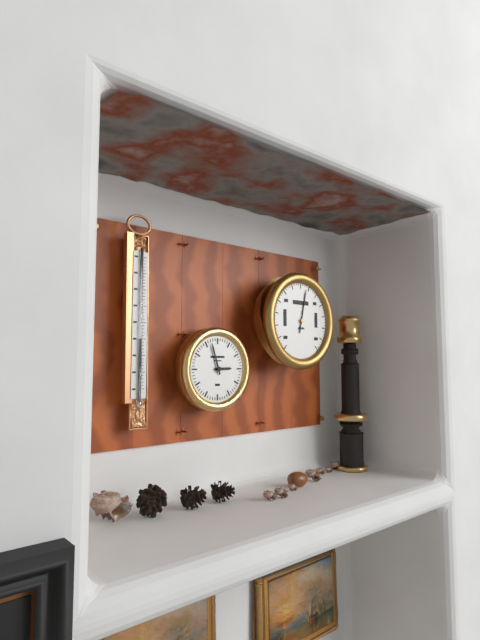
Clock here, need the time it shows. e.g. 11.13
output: 2.57
